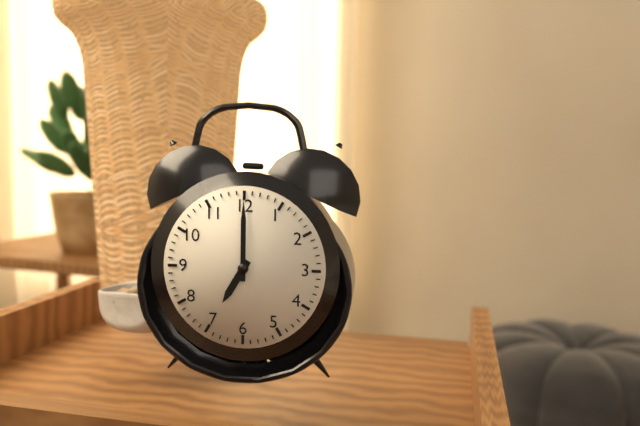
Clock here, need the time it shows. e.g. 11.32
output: 7.00
